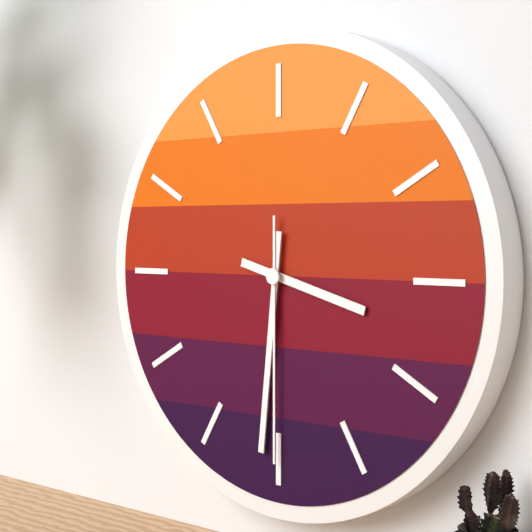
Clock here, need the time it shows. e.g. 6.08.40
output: 3.31.30
